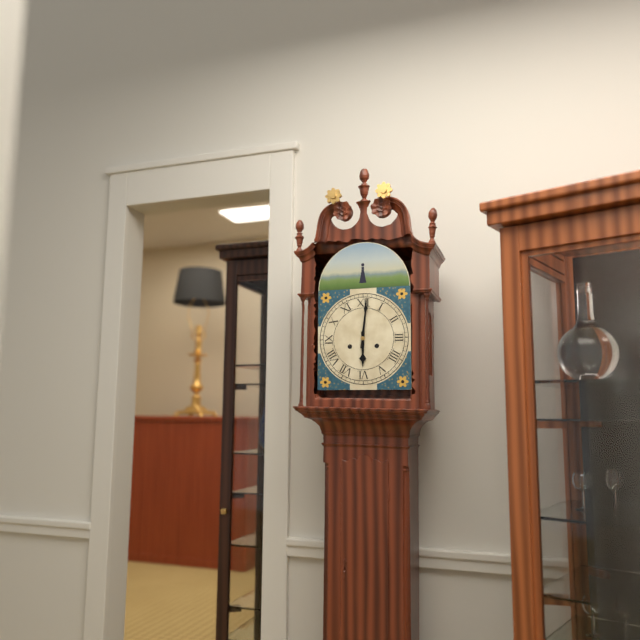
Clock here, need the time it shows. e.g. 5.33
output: 6.01
